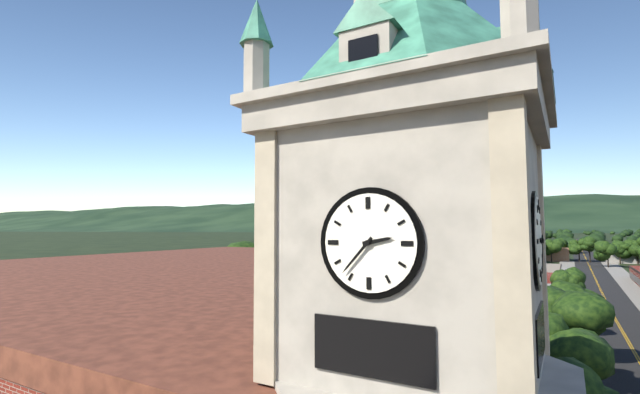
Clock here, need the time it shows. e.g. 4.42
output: 2.37
